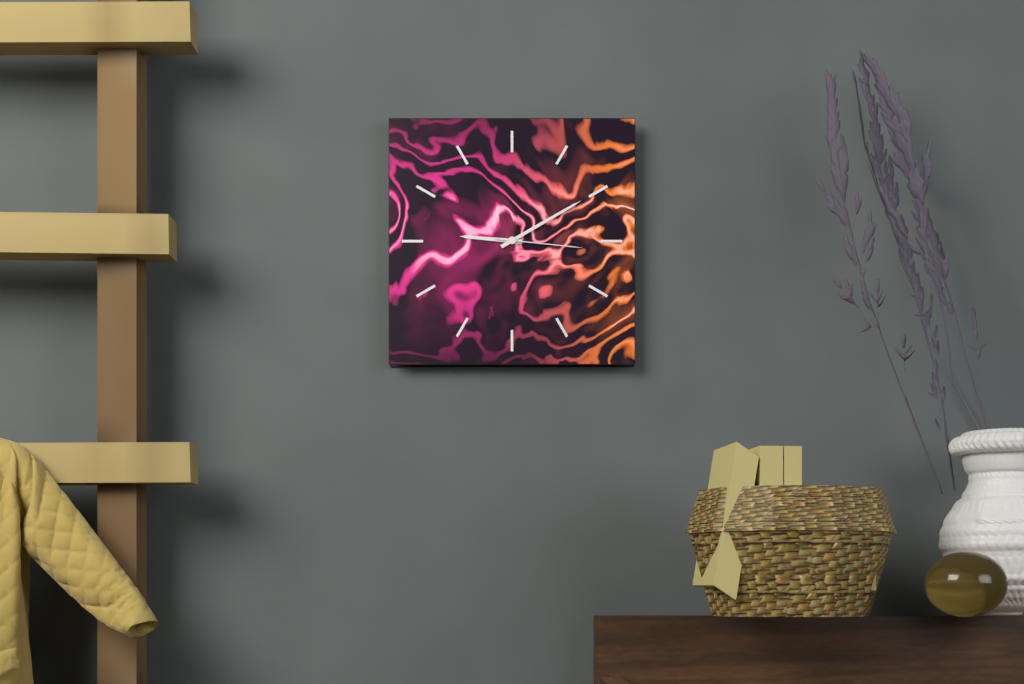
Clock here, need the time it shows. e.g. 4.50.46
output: 9.10.16
